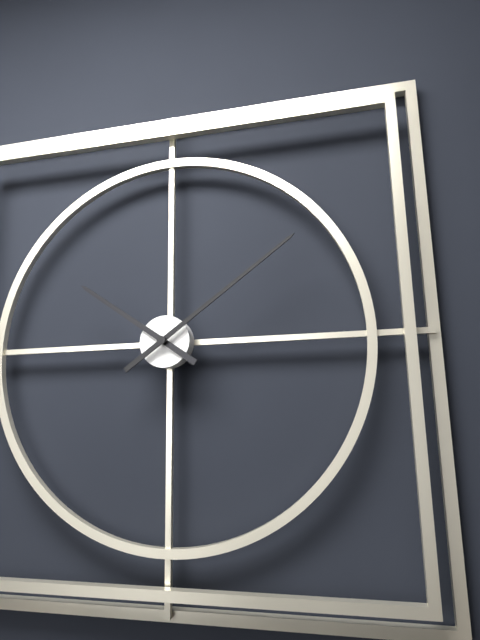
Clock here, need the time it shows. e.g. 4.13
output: 10.09
